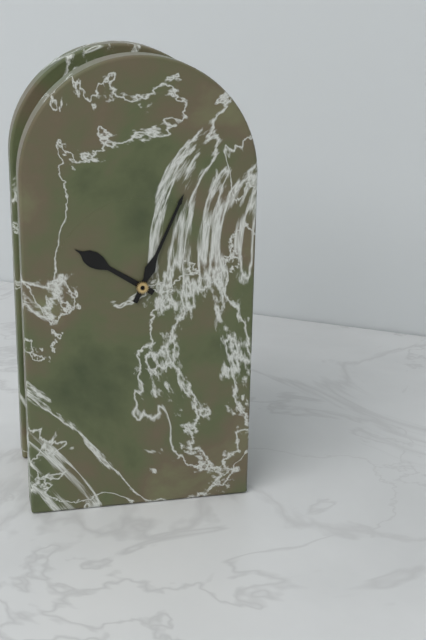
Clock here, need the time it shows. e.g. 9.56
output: 10.04
